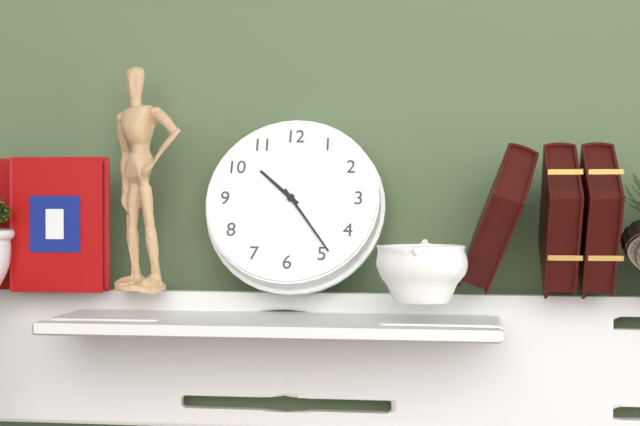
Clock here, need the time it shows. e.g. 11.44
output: 10.24
